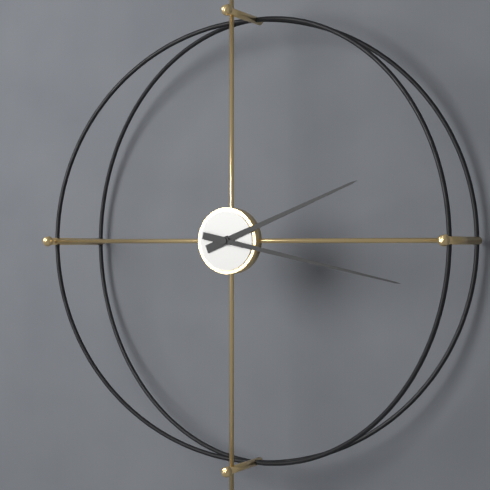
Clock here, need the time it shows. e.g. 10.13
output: 2.17
